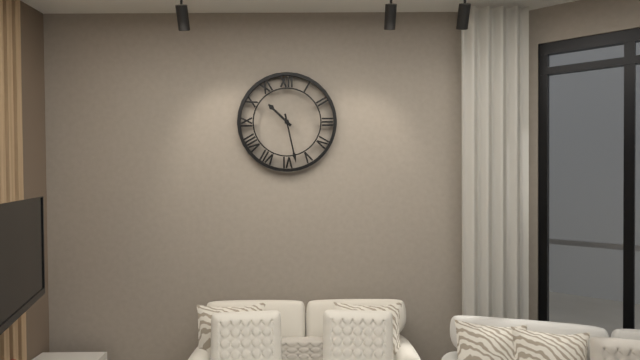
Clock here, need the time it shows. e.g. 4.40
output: 10.28
